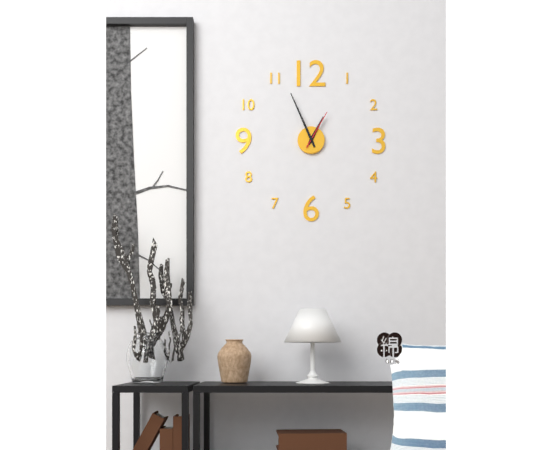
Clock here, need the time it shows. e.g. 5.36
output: 12.56
